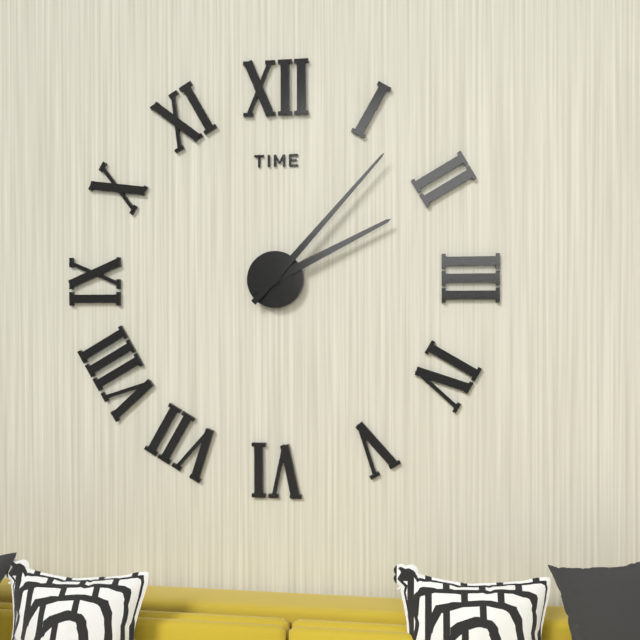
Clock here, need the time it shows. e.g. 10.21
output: 2.07
